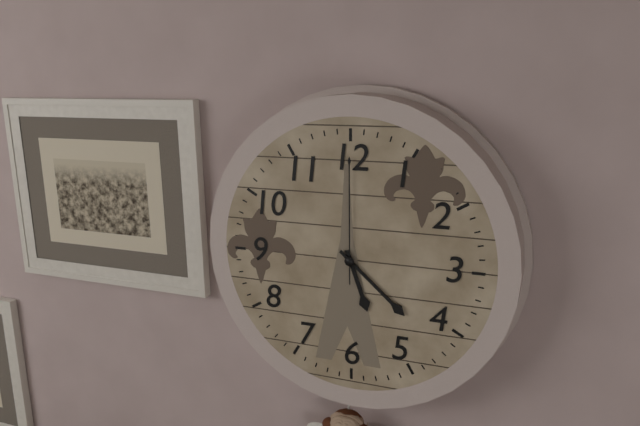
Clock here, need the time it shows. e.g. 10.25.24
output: 5.22.00
